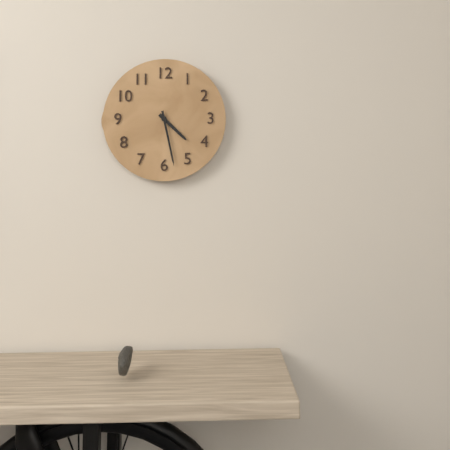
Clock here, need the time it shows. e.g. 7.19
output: 4.28
